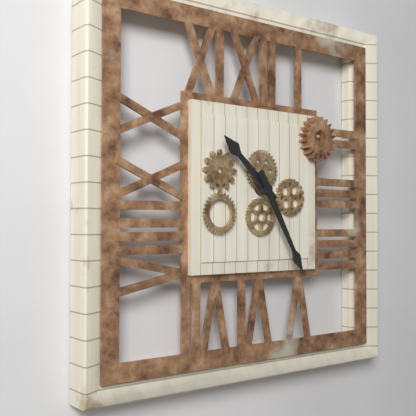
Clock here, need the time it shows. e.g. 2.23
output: 10.25
